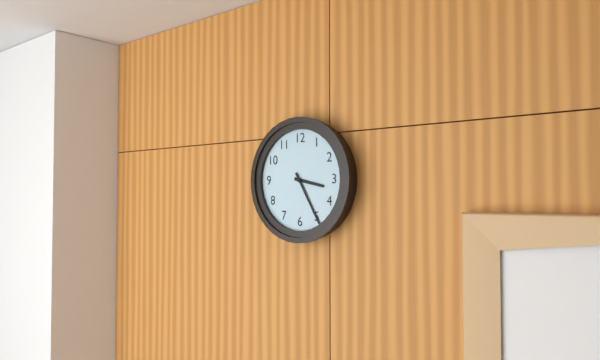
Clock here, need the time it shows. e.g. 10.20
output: 3.25
